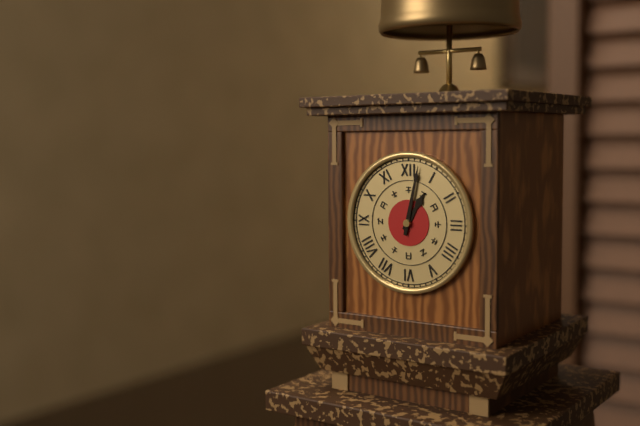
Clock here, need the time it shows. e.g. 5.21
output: 1.02
